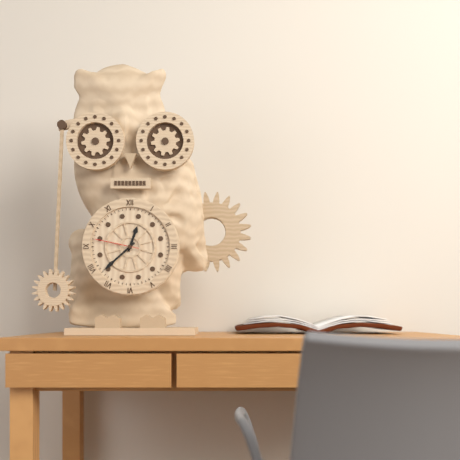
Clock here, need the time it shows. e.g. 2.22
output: 12.38
